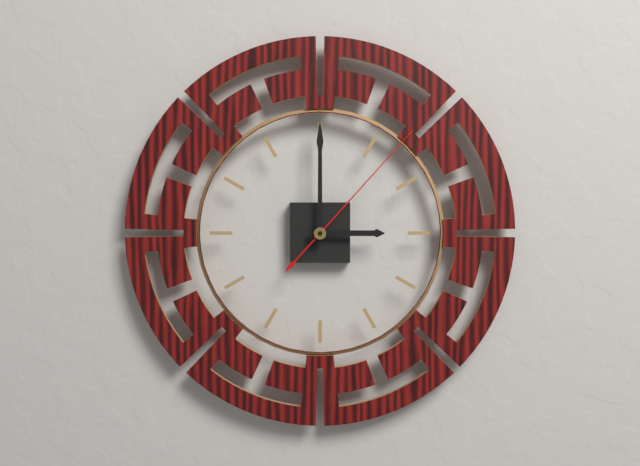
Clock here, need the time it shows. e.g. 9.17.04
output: 3.00.07
